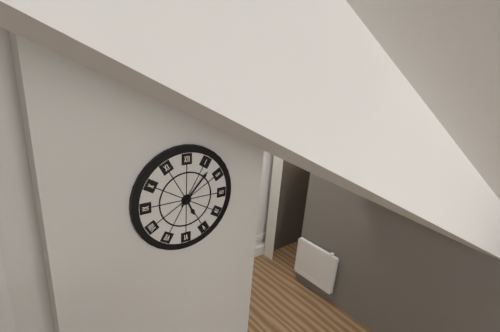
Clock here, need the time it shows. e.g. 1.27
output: 5.07
